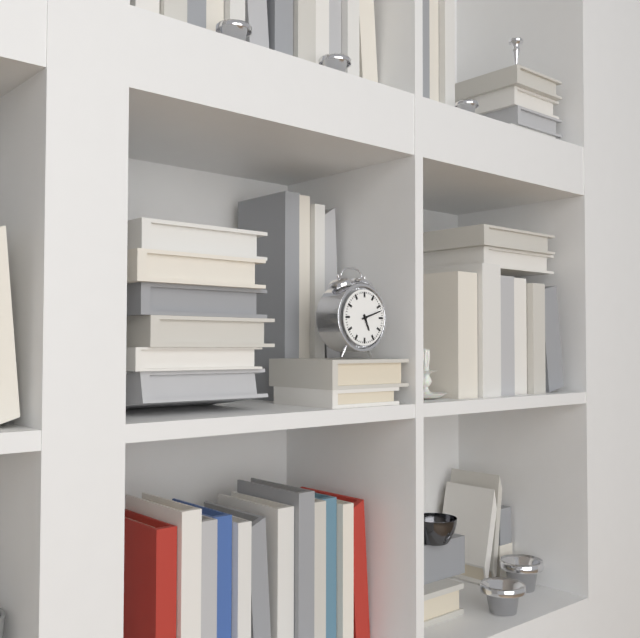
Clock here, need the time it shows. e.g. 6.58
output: 5.12
